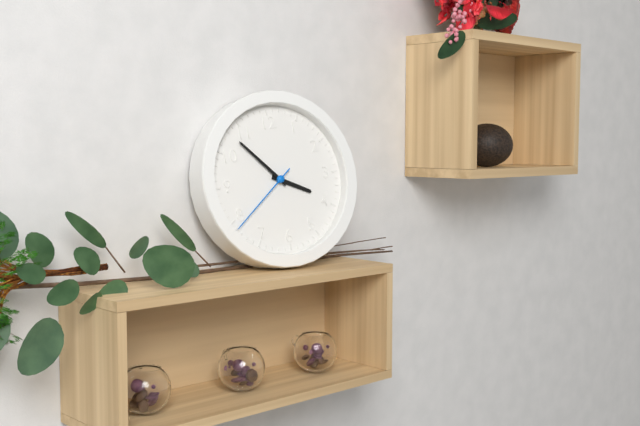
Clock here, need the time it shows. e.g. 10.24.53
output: 3.53.39
